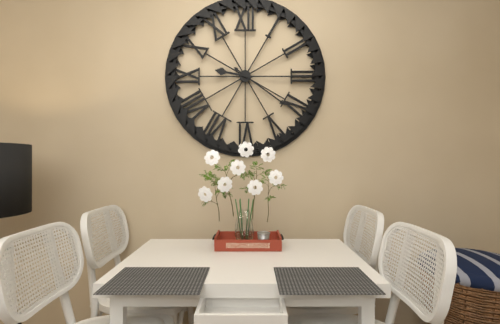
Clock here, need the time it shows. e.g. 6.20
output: 9.21
